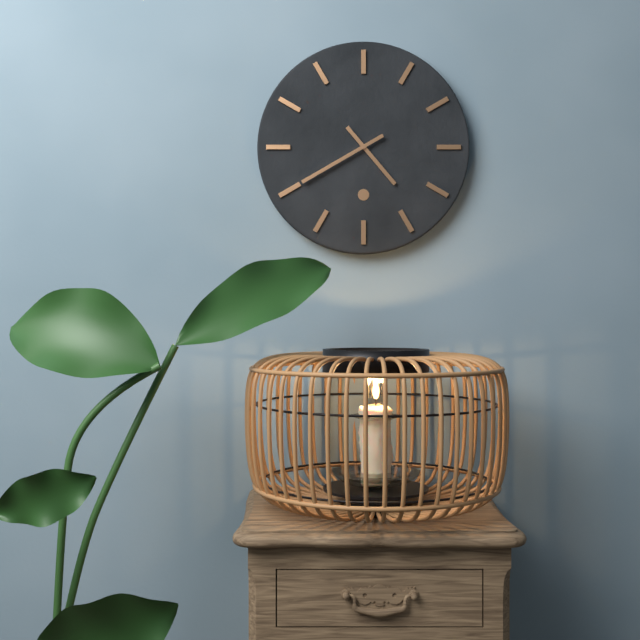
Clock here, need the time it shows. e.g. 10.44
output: 4.40
